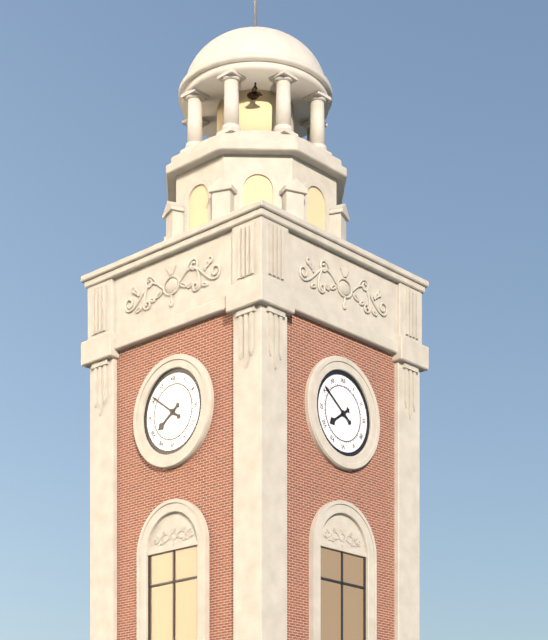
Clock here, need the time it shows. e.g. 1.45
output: 7.51
